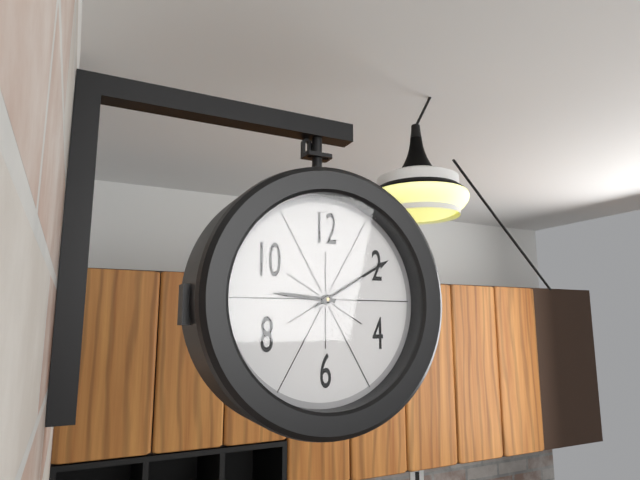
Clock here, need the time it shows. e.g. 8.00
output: 9.10
